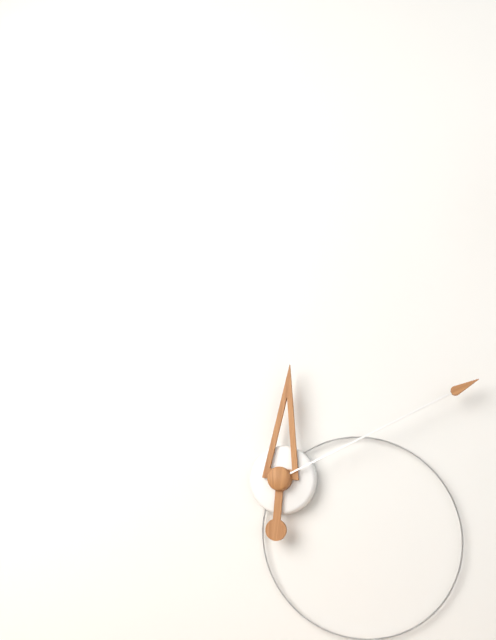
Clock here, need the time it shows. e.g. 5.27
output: 12.11
